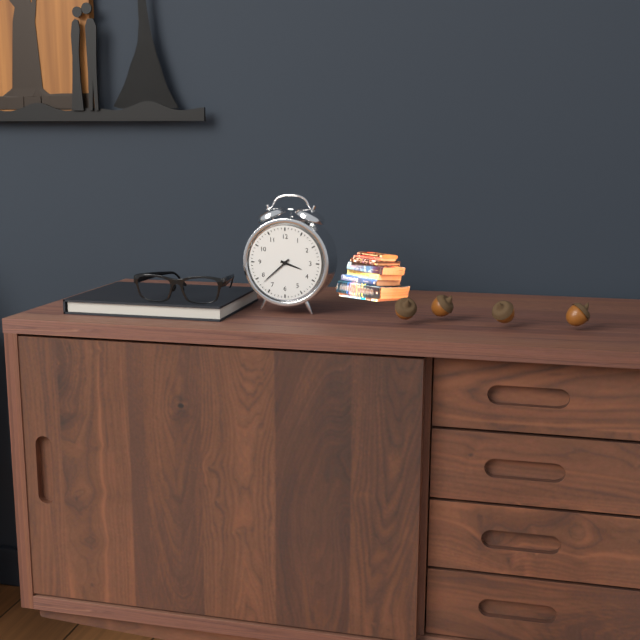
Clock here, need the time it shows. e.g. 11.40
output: 3.38
